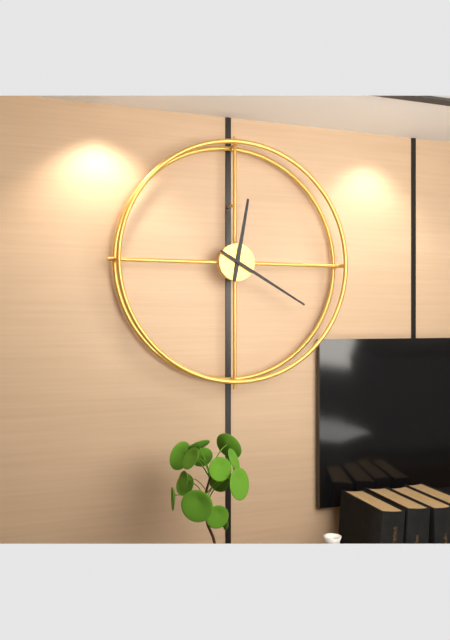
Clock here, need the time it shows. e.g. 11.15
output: 12.20
